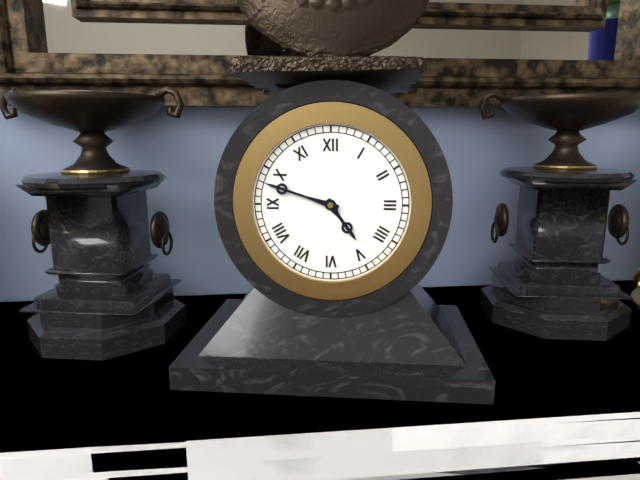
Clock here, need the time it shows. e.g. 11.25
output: 4.48
